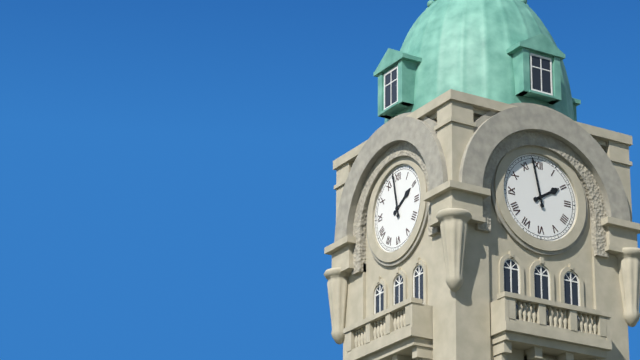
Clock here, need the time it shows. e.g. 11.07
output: 1.58
